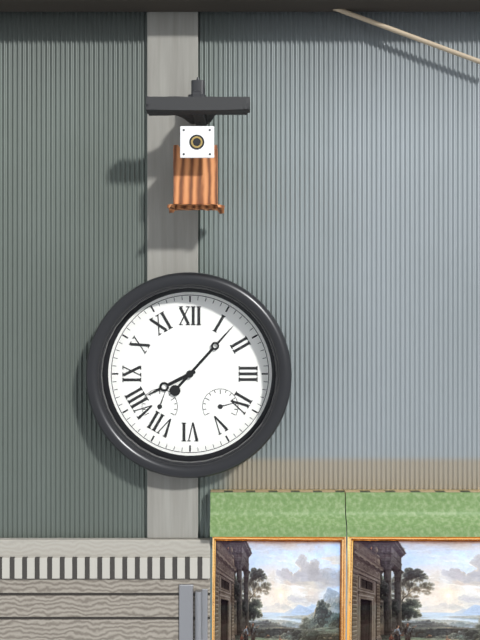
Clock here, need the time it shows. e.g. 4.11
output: 8.07
